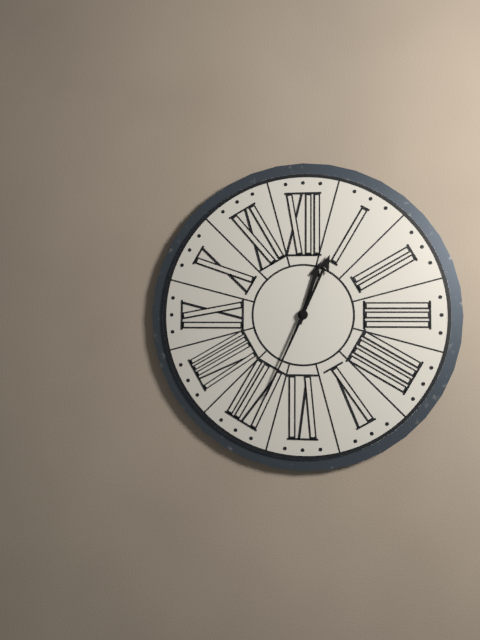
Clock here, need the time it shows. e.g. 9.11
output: 12.34
